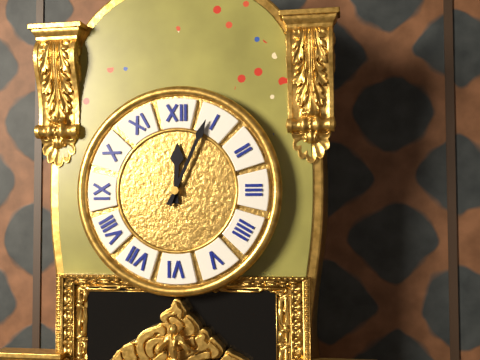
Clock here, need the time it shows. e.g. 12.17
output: 12.04
